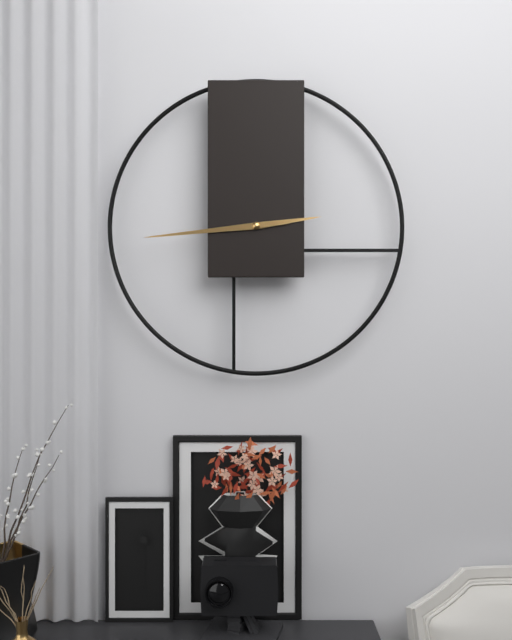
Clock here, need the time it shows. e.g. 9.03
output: 2.44
